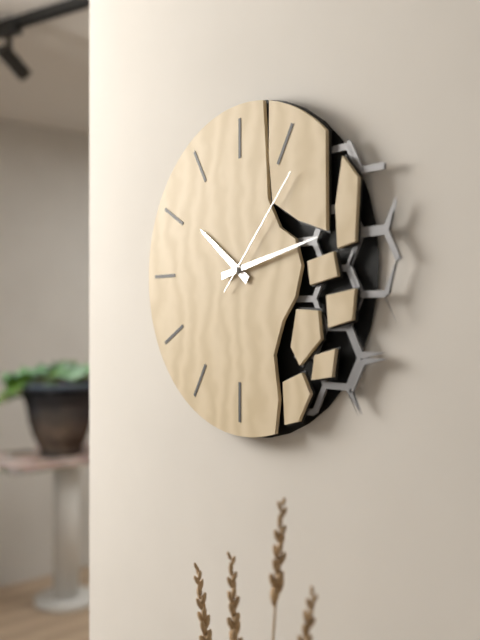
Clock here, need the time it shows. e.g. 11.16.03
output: 10.13.07
